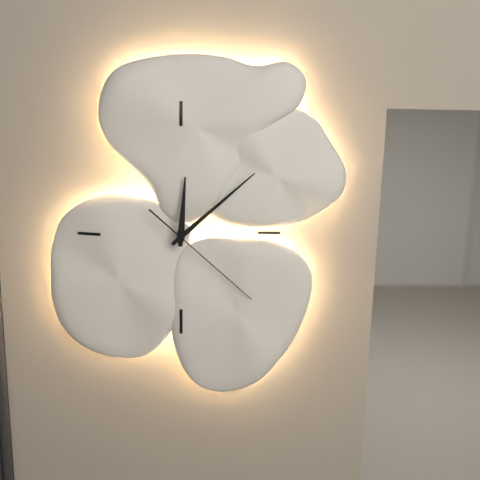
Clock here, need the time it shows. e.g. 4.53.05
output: 12.08.22
